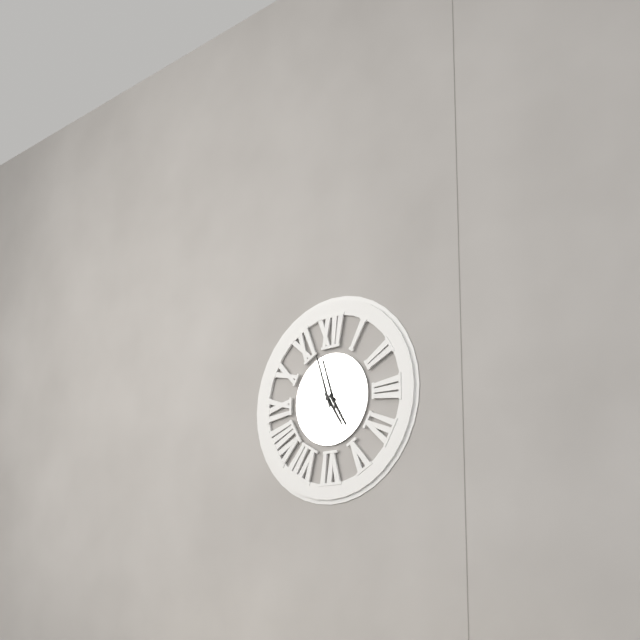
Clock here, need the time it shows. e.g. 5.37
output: 4.57
